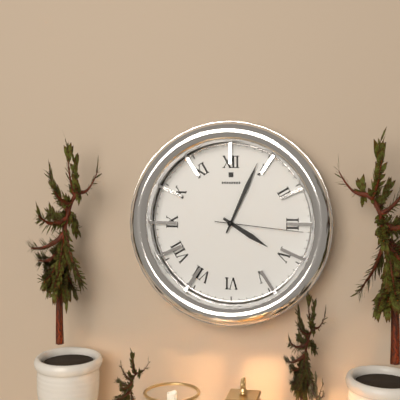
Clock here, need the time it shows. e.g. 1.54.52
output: 4.04.16
